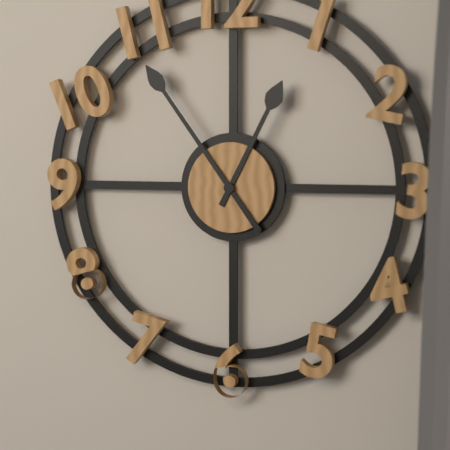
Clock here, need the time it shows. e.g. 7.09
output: 12.54
